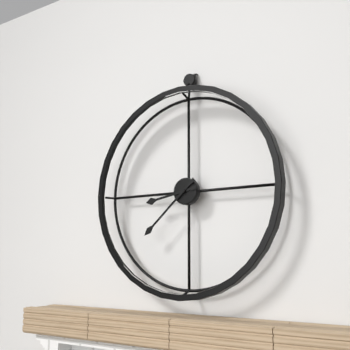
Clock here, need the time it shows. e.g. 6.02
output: 8.38
